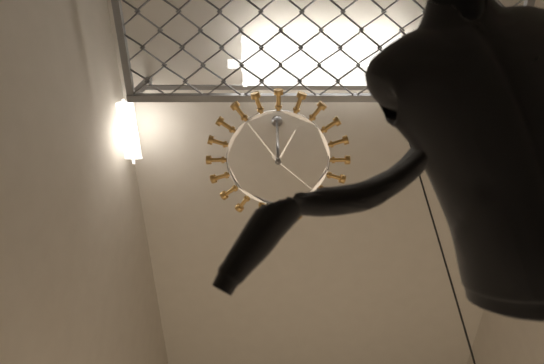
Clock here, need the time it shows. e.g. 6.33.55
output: 12.54.22
